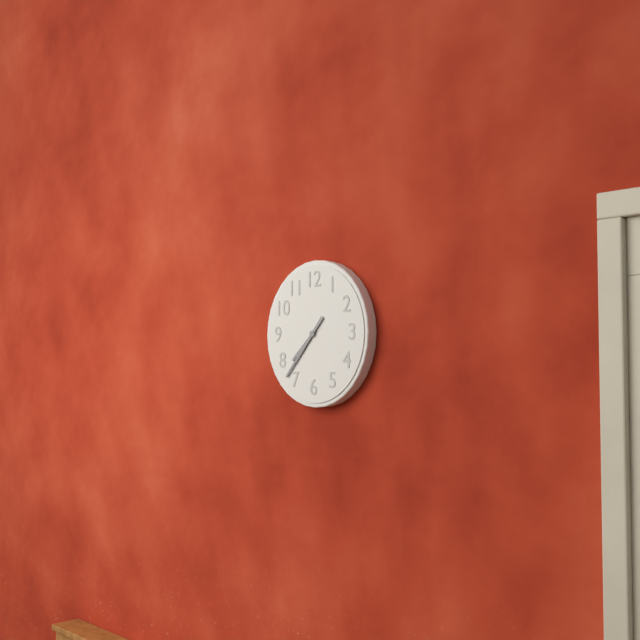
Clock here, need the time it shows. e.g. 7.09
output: 7.37
